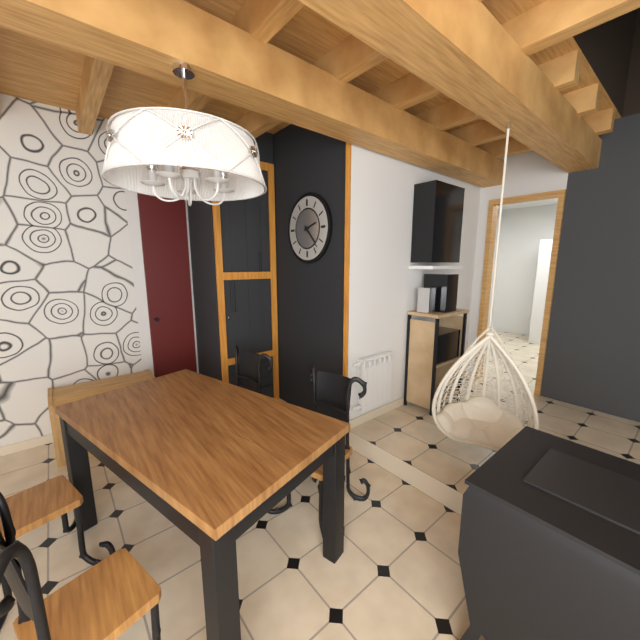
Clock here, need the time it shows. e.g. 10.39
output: 2.23
